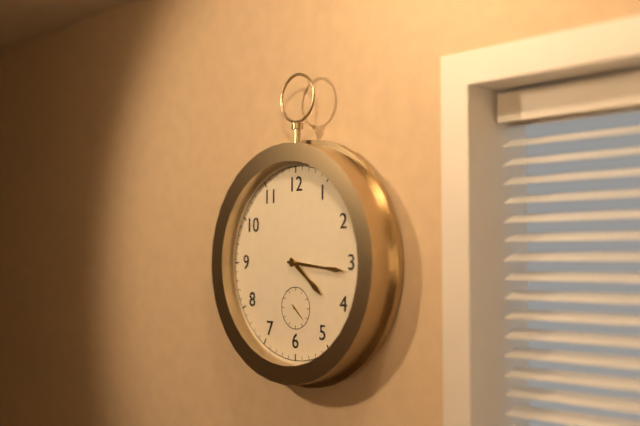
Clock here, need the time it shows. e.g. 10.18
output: 4.16
